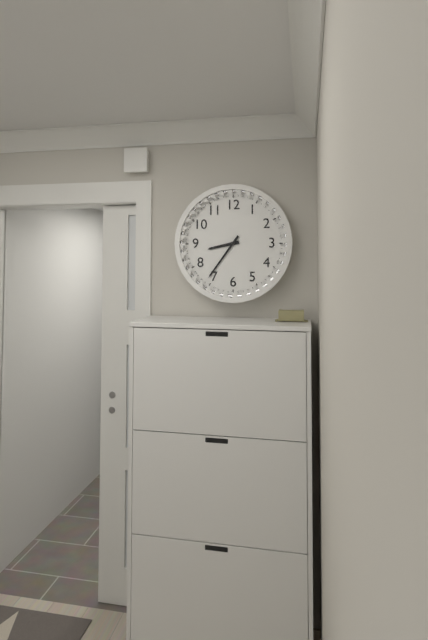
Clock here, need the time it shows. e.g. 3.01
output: 8.36
